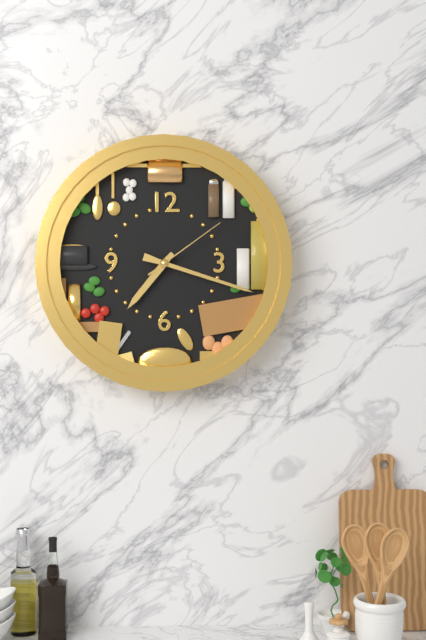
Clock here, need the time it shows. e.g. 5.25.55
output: 7.18.09
